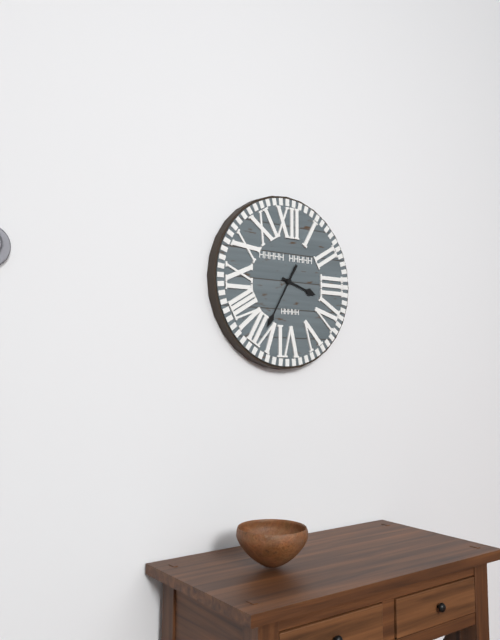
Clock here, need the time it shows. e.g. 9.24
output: 3.35
